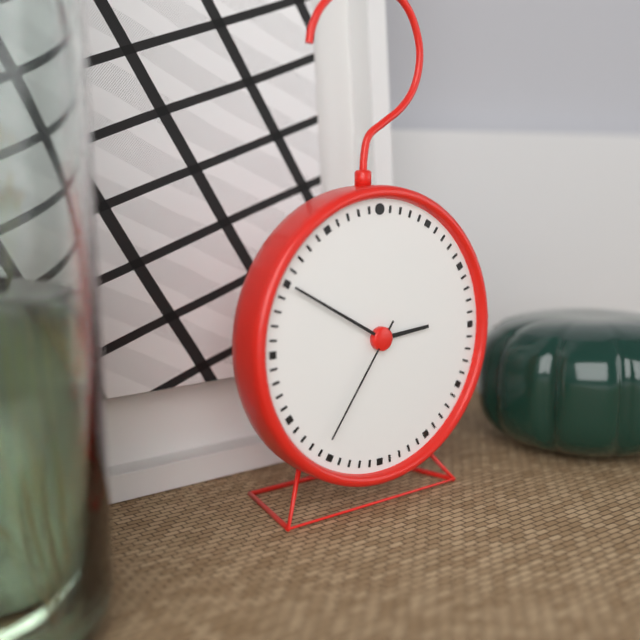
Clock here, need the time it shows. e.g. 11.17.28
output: 2.50.36
